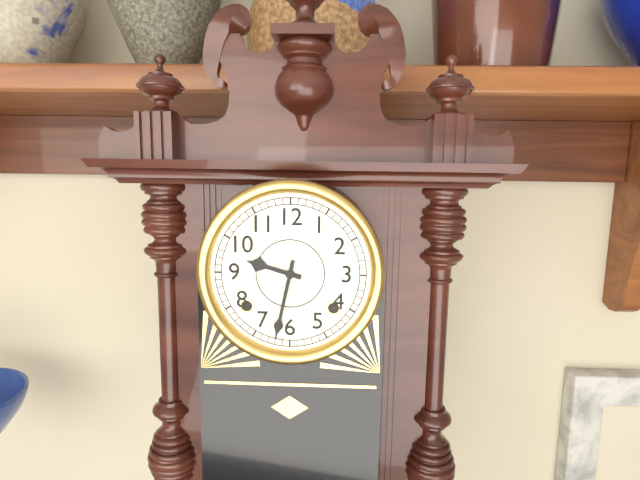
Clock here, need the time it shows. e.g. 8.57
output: 9.32
